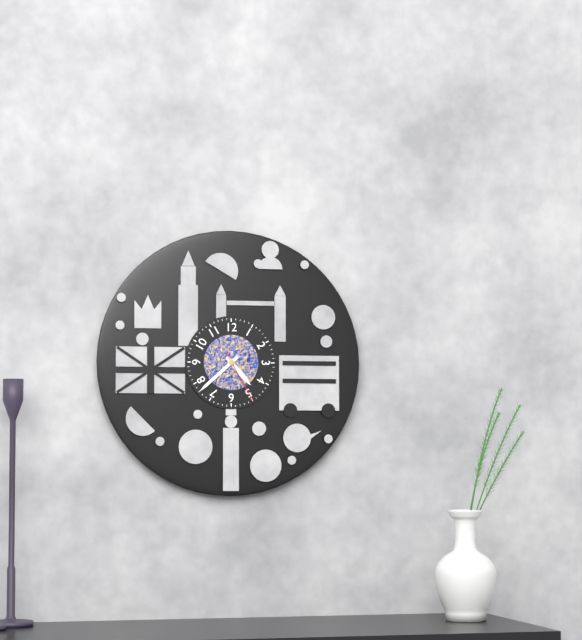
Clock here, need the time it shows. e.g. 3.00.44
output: 4.38.25
